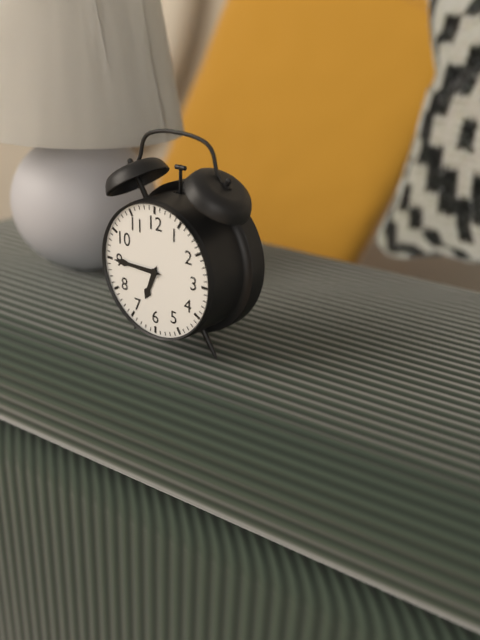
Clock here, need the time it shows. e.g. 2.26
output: 6.45
